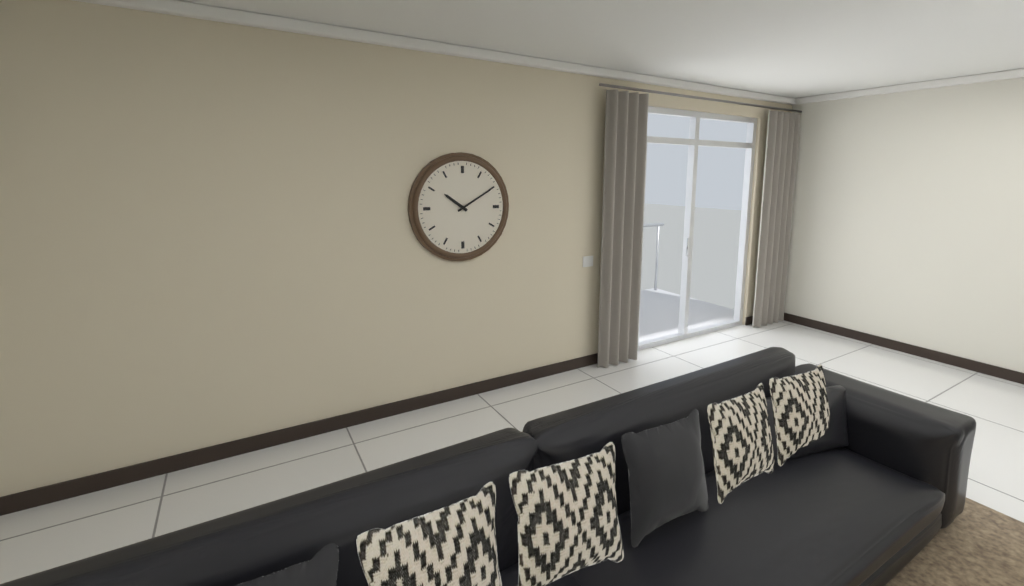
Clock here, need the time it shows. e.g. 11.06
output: 10.10
